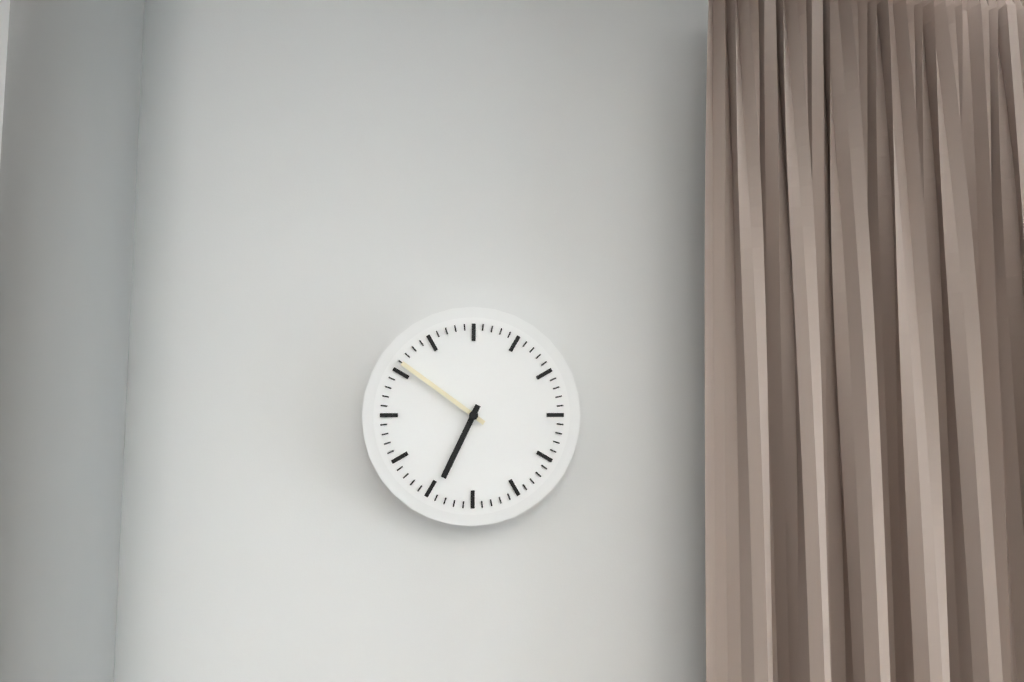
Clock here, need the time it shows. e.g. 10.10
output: 6.51
